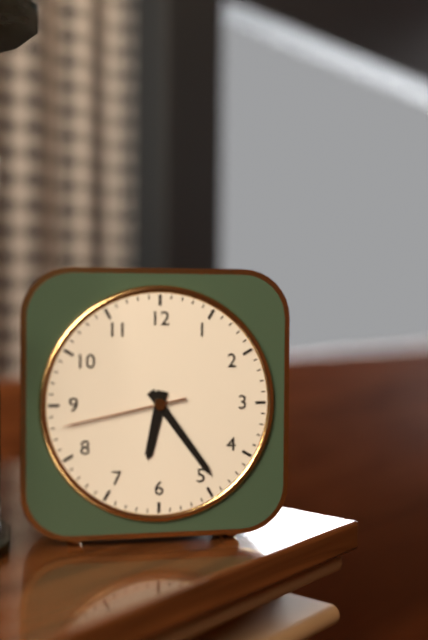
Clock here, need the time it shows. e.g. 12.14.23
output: 6.24.43
